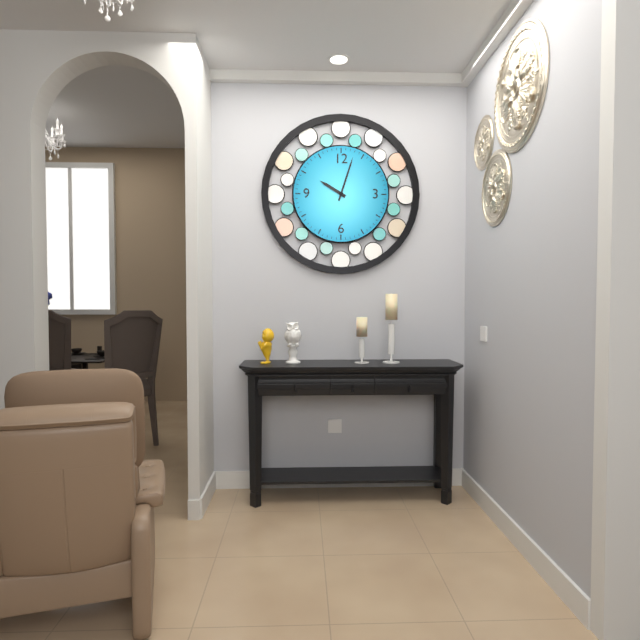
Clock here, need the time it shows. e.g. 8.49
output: 10.03
